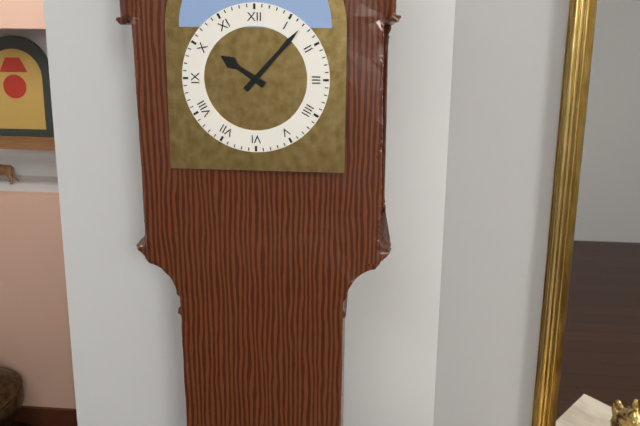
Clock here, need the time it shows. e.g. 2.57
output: 10.07
